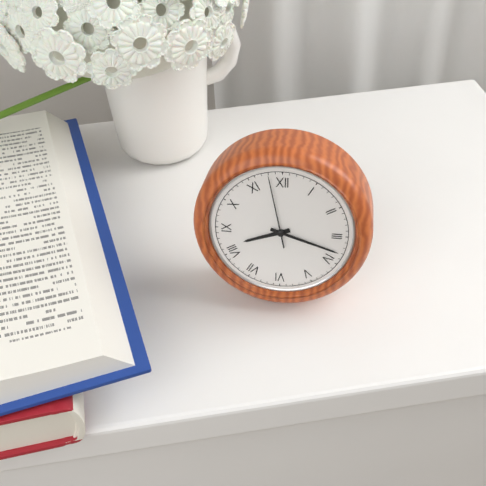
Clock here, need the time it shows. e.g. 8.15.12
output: 8.18.58
